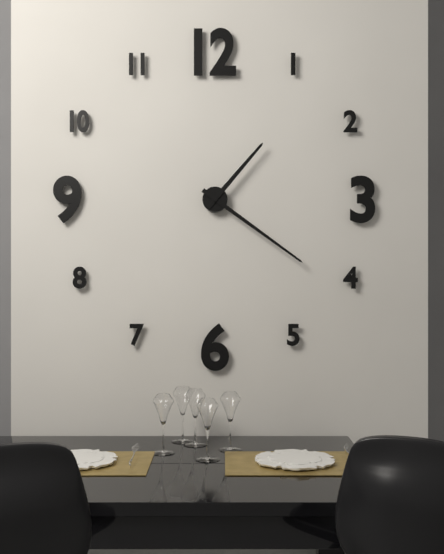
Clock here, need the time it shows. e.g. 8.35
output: 1.21
